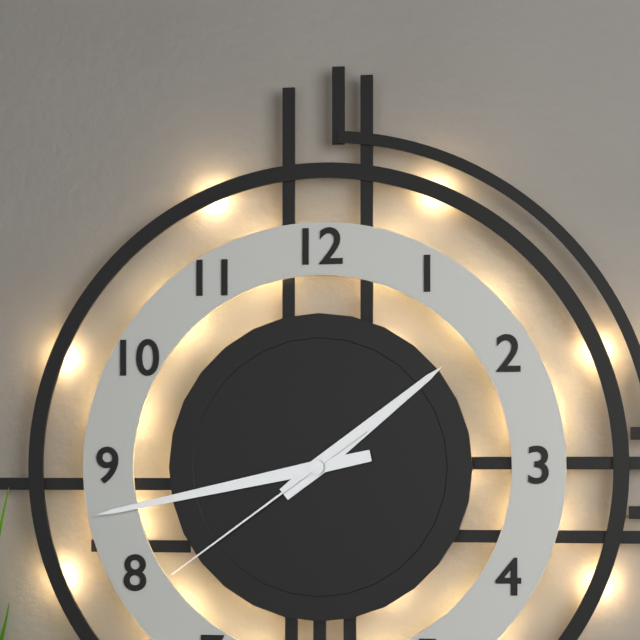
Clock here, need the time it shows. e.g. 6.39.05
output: 1.43.39
